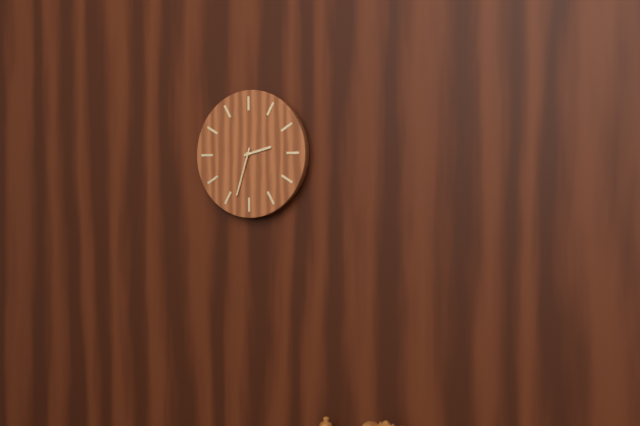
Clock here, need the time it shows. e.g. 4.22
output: 2.33
